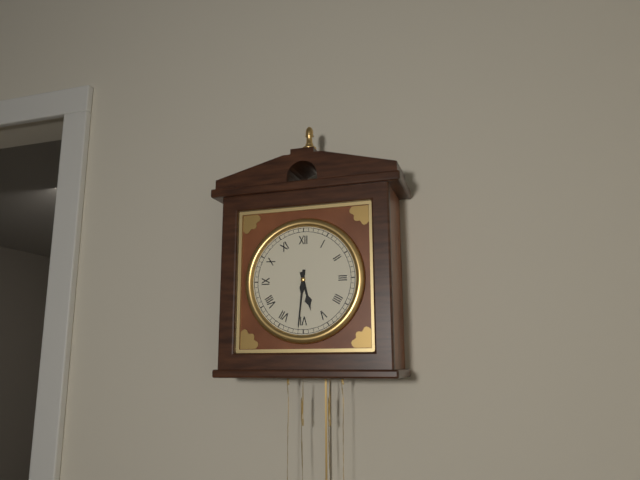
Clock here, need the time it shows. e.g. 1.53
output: 5.31
